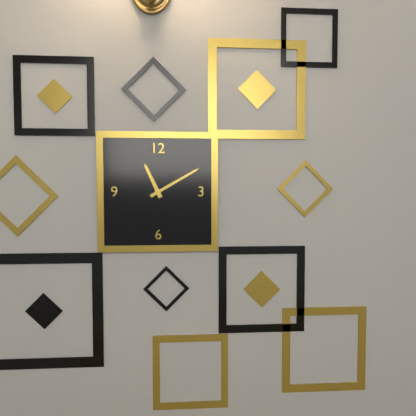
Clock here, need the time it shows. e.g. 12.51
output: 11.10
